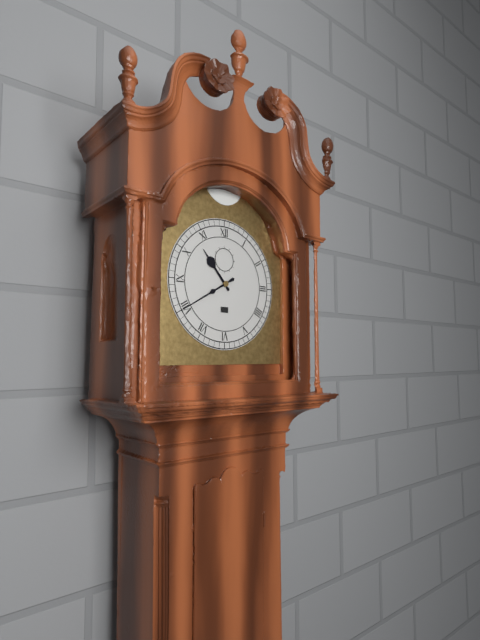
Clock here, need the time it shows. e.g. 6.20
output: 10.40
